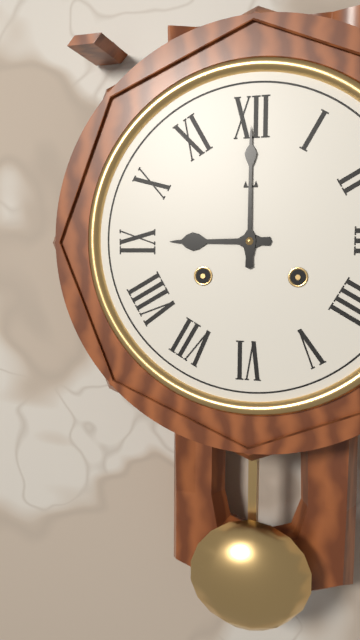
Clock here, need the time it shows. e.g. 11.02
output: 9.00
